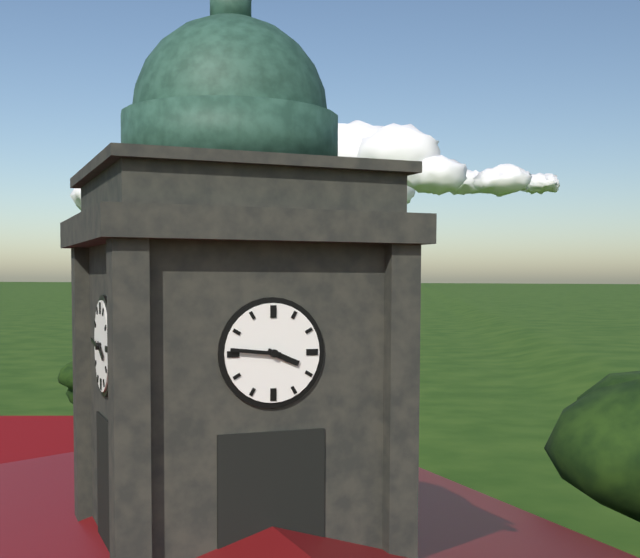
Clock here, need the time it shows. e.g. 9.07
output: 3.46
